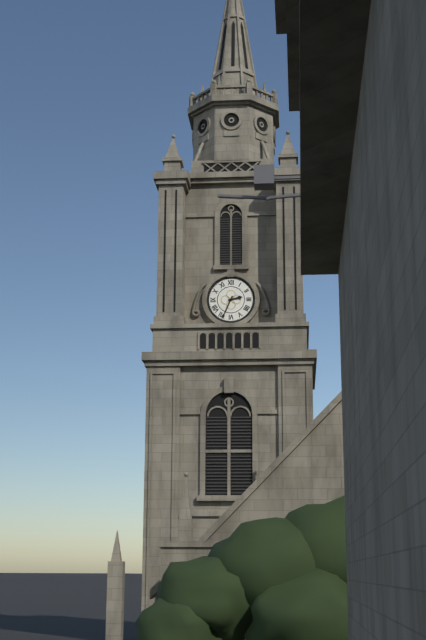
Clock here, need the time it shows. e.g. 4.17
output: 2.34
